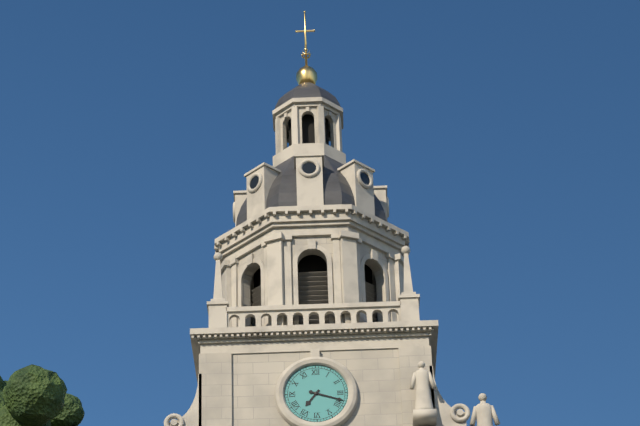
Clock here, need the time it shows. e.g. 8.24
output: 7.18
